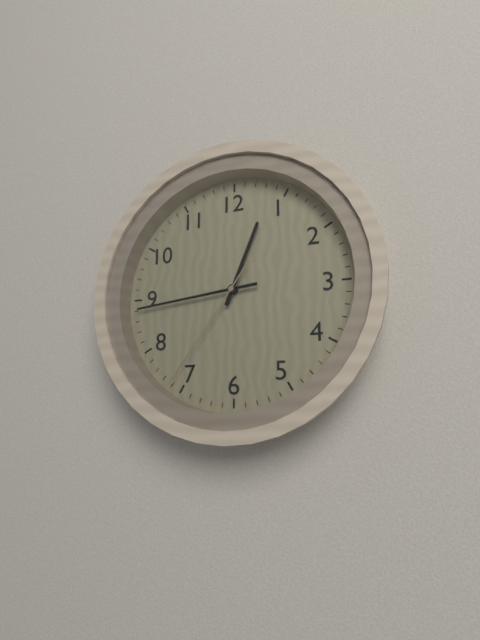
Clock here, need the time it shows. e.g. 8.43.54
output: 12.44.36
